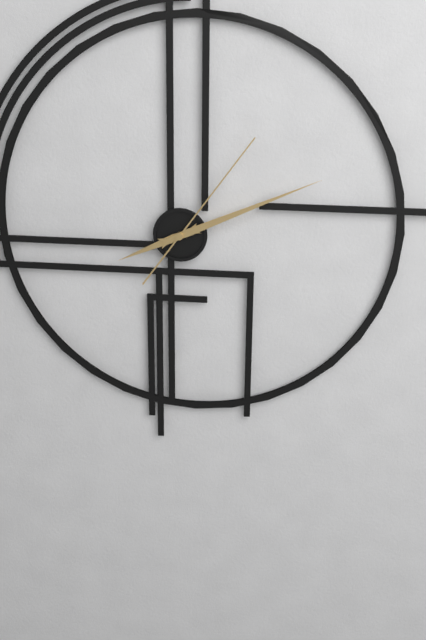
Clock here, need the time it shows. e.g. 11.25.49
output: 8.11.06
